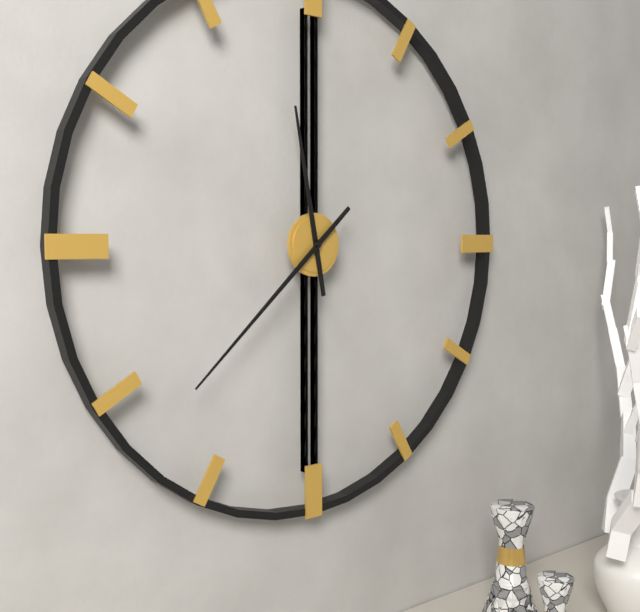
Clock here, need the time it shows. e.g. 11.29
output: 11.38
